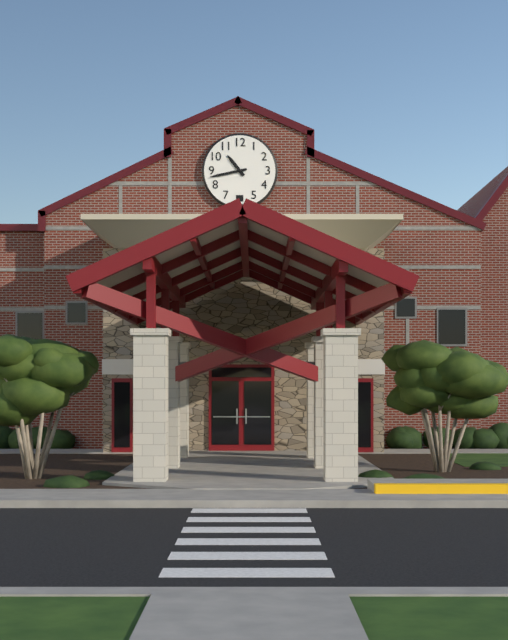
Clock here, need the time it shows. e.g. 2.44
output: 10.43
